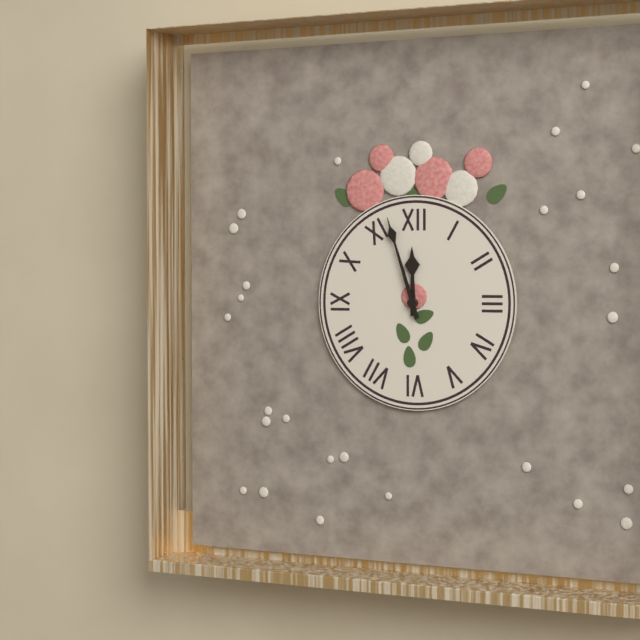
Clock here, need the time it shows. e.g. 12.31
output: 11.57
